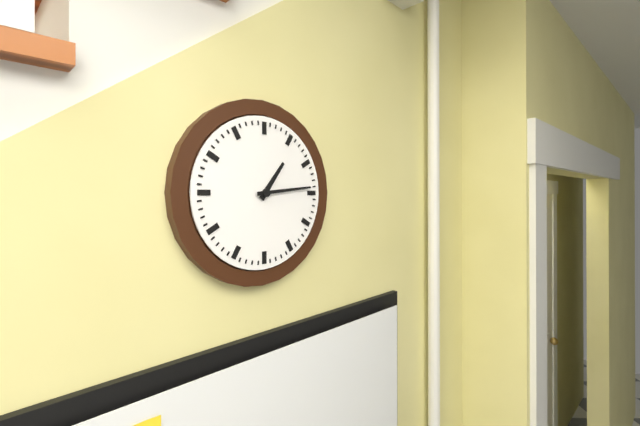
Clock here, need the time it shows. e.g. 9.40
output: 1.14
